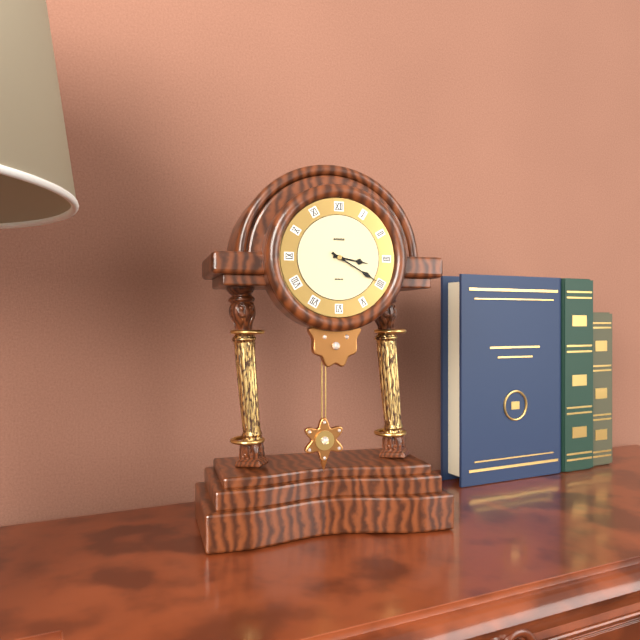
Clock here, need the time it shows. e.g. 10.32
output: 3.20
